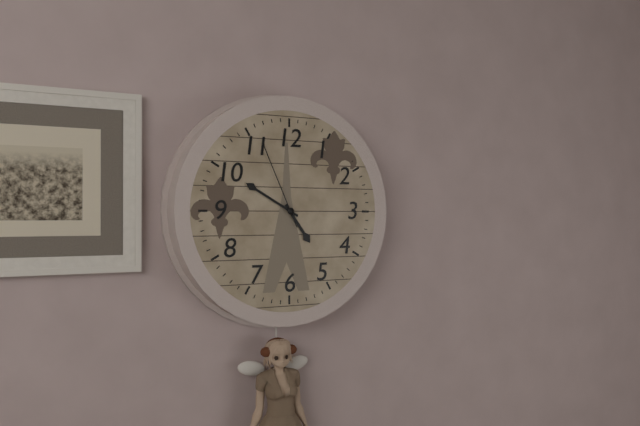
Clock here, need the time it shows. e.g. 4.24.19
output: 4.50.56
